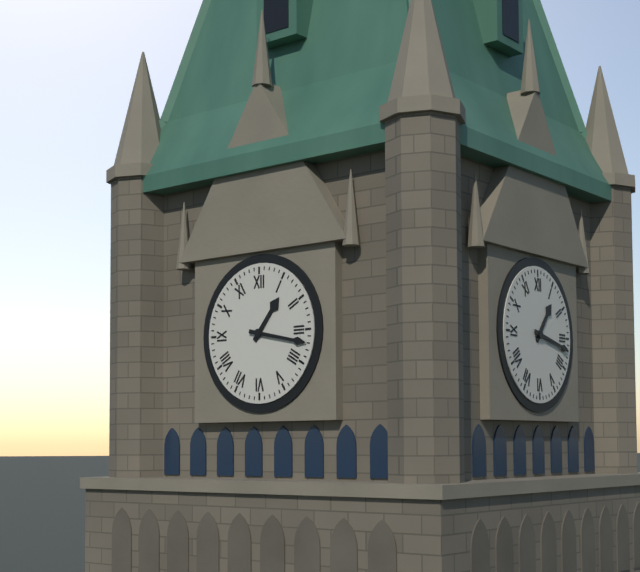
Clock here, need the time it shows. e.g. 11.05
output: 1.17
